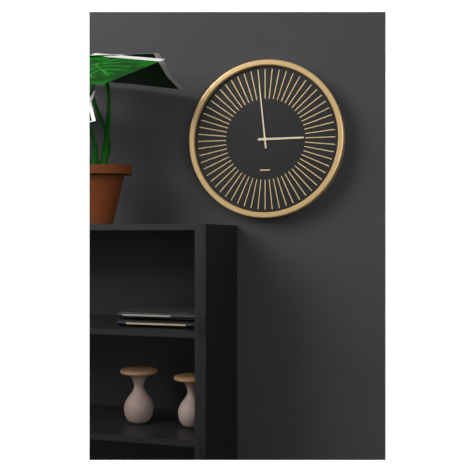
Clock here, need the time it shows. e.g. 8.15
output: 2.59
